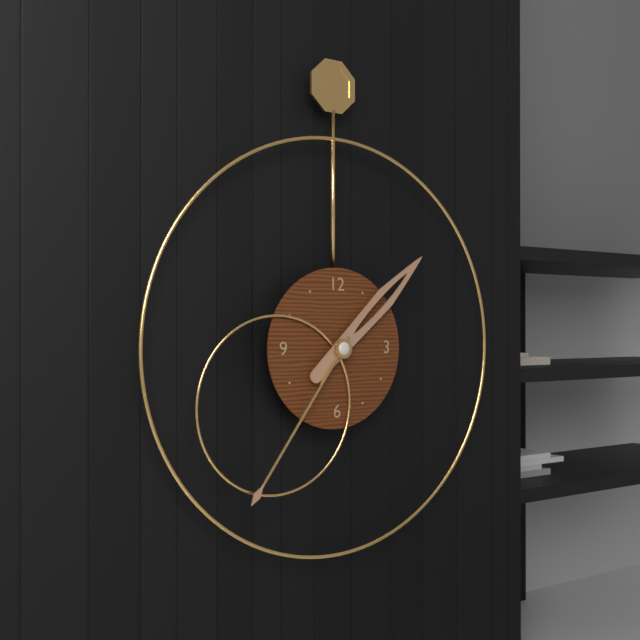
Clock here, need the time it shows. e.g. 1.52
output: 1.36
